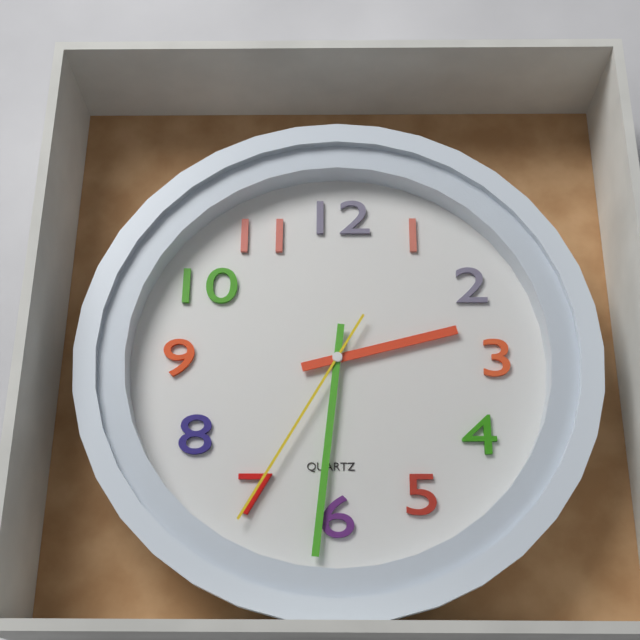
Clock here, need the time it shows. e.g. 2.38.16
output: 2.31.35
